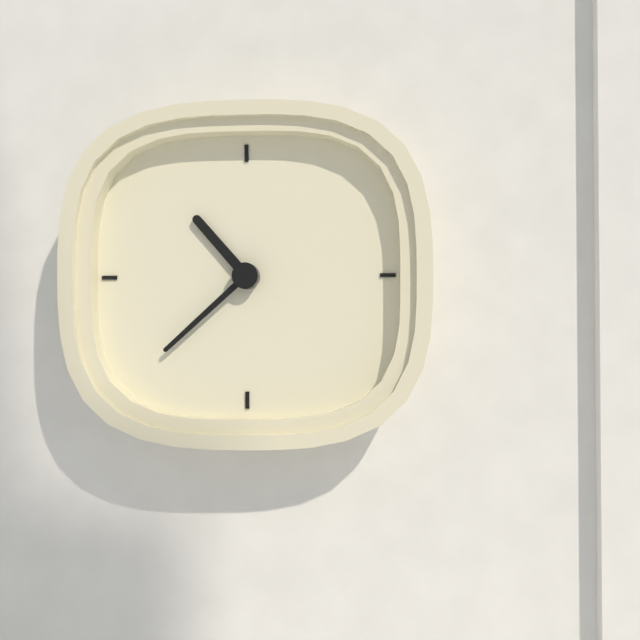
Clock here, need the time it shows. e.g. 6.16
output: 10.38
